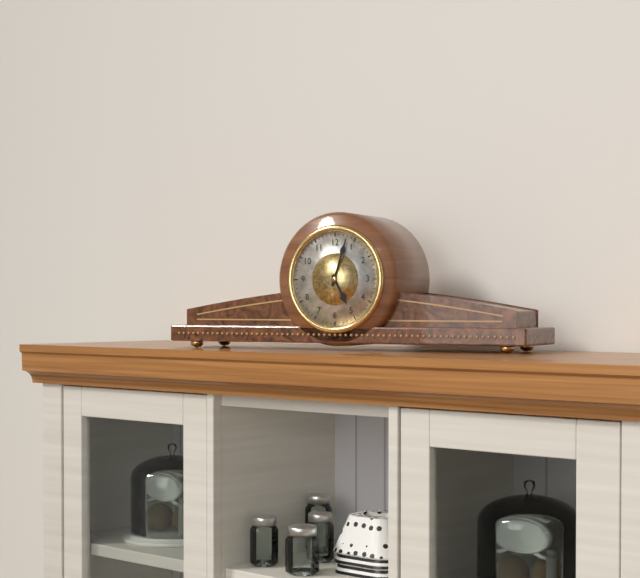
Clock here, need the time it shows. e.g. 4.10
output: 5.03
